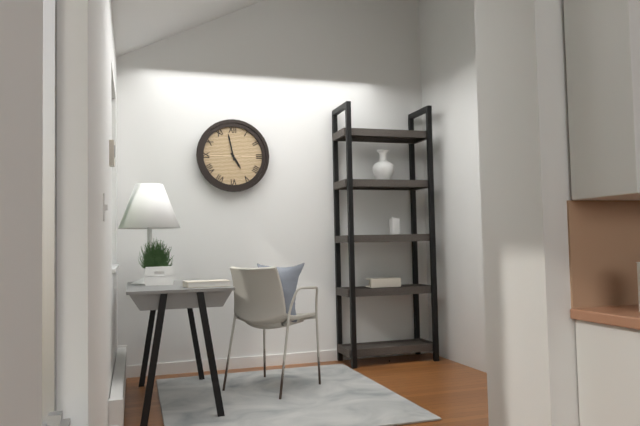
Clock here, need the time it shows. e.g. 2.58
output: 4.58
